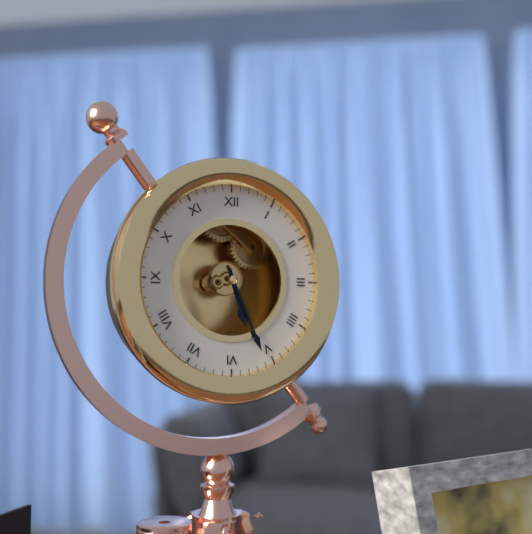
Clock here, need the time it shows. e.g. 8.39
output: 5.26
